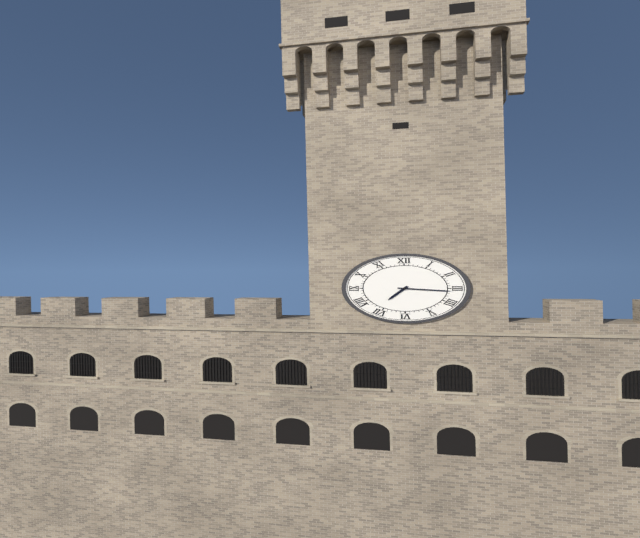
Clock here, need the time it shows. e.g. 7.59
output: 7.16
